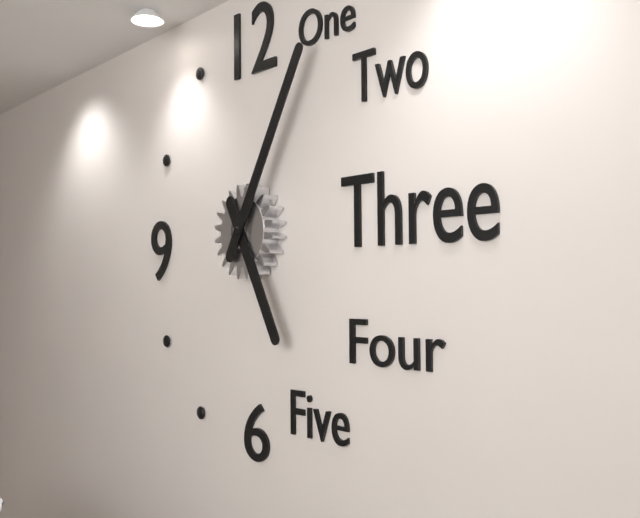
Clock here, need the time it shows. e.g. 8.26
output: 5.05
